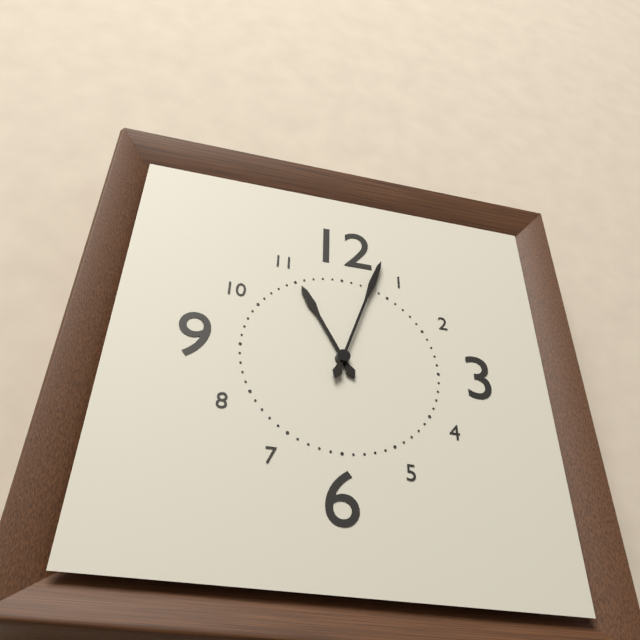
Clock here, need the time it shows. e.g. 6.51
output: 11.03
